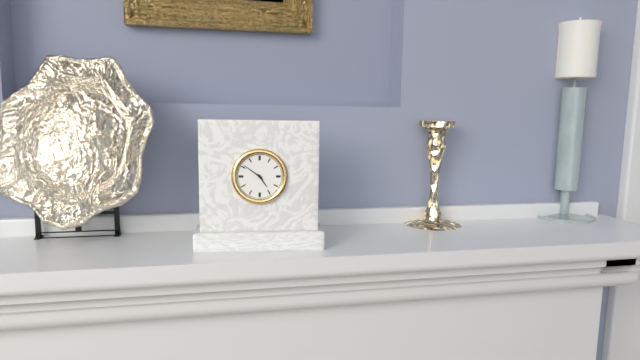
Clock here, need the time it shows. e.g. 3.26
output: 4.51
